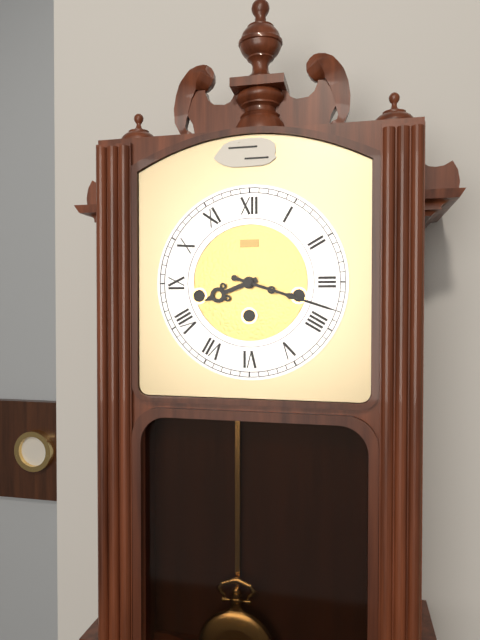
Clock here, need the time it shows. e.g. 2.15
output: 8.18
